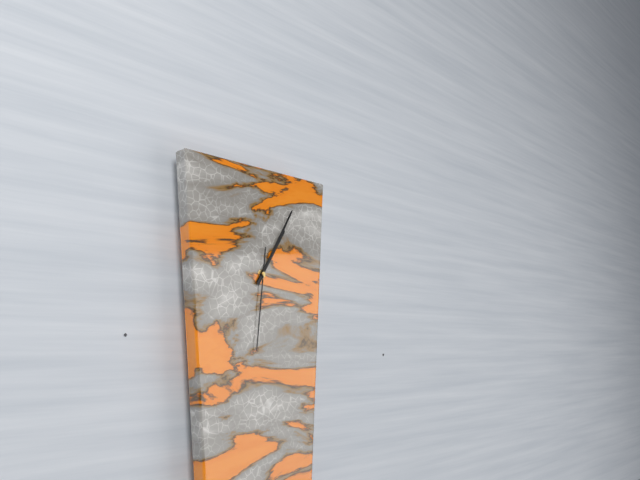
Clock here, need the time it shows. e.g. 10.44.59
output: 1.05.31
